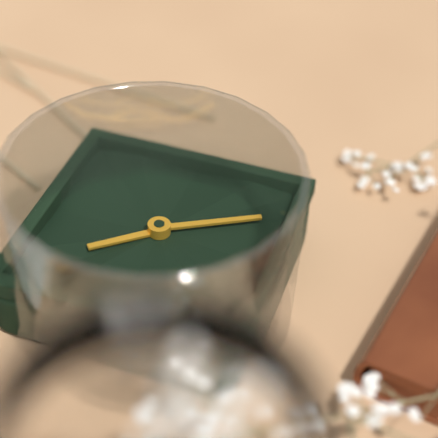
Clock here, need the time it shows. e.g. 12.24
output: 1.40
